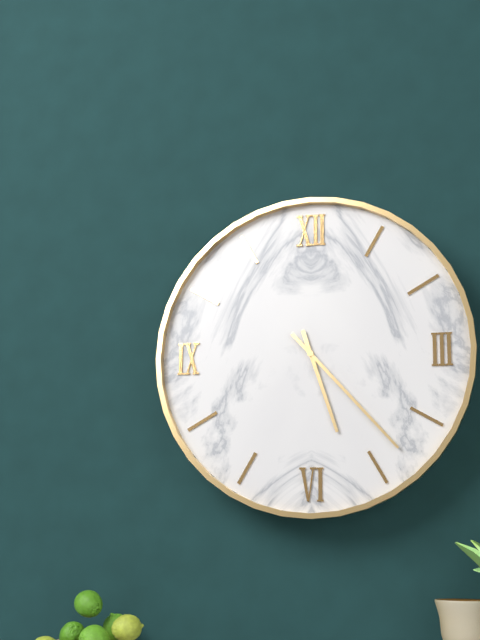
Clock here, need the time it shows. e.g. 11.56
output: 5.23
